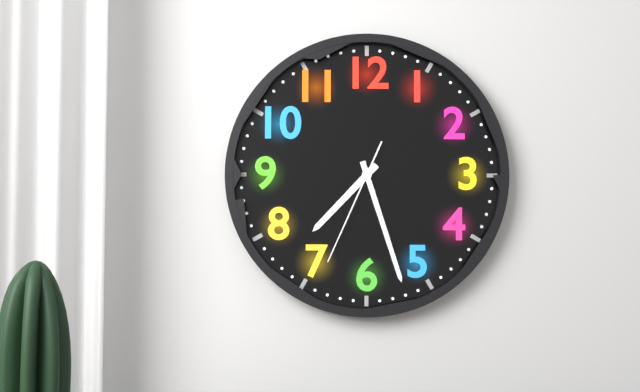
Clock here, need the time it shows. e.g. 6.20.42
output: 7.27.34
